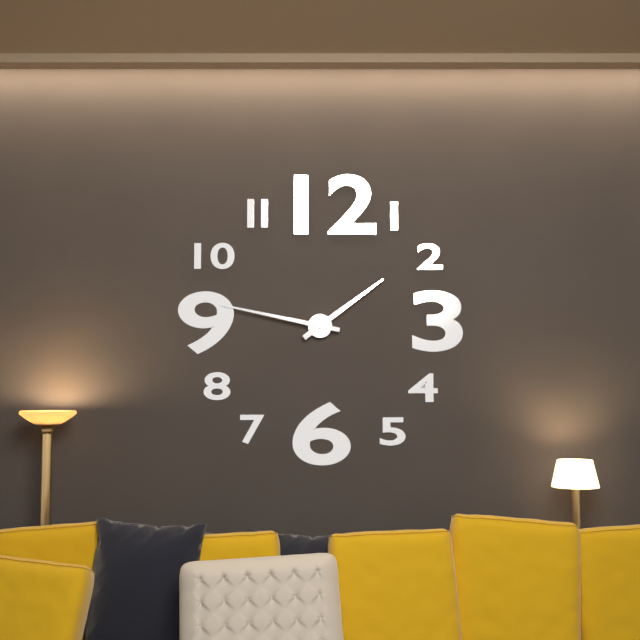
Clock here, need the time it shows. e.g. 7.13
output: 1.47
